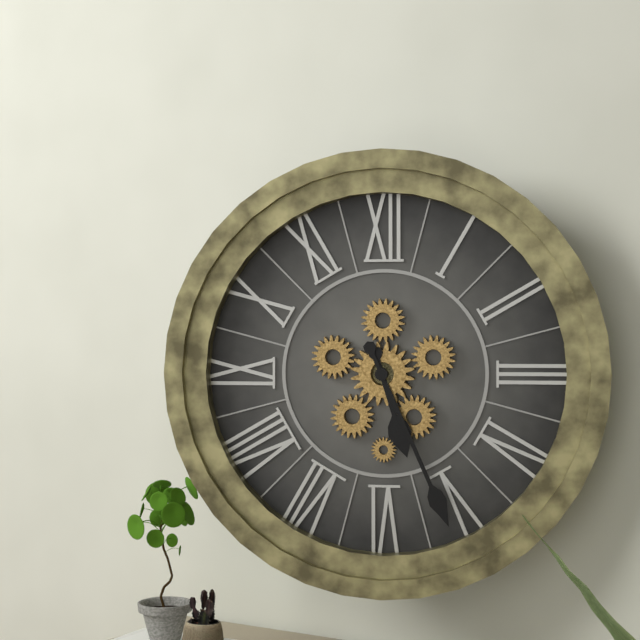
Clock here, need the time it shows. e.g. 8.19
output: 5.26
